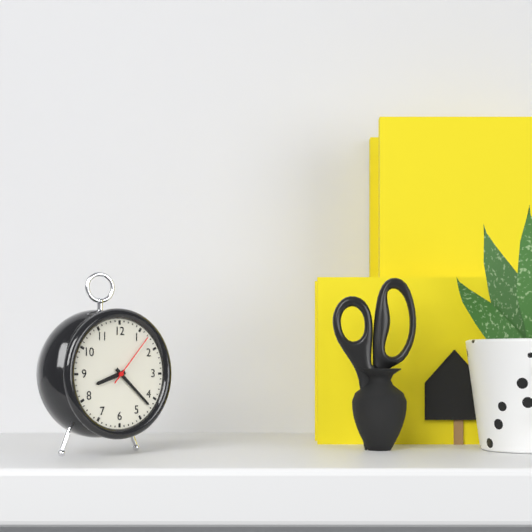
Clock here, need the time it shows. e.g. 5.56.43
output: 8.22.07
